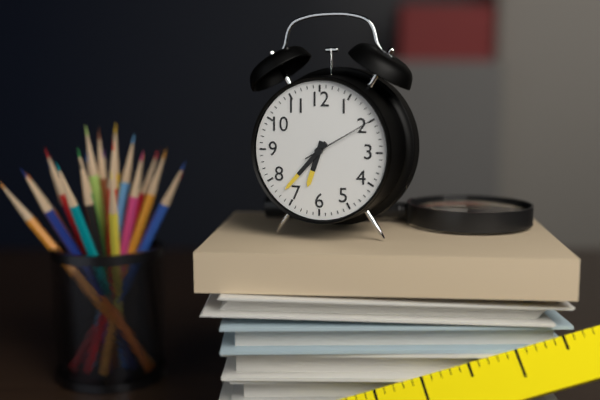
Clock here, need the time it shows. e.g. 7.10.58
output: 6.37.10
